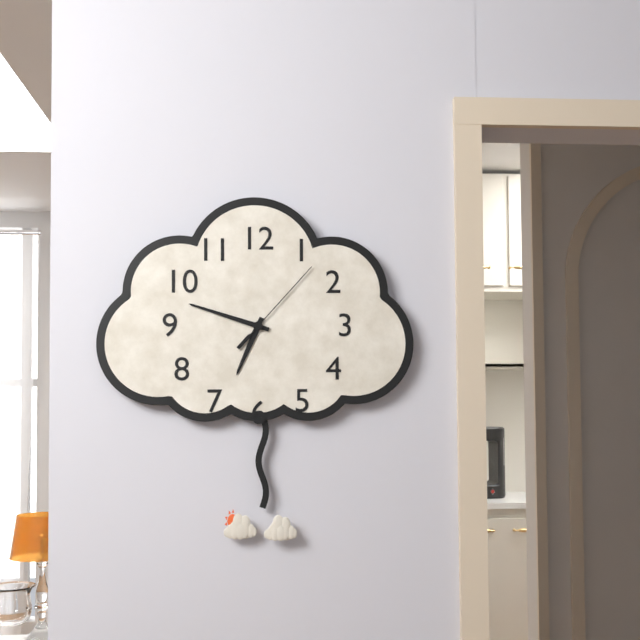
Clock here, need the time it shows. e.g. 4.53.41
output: 6.48.07
